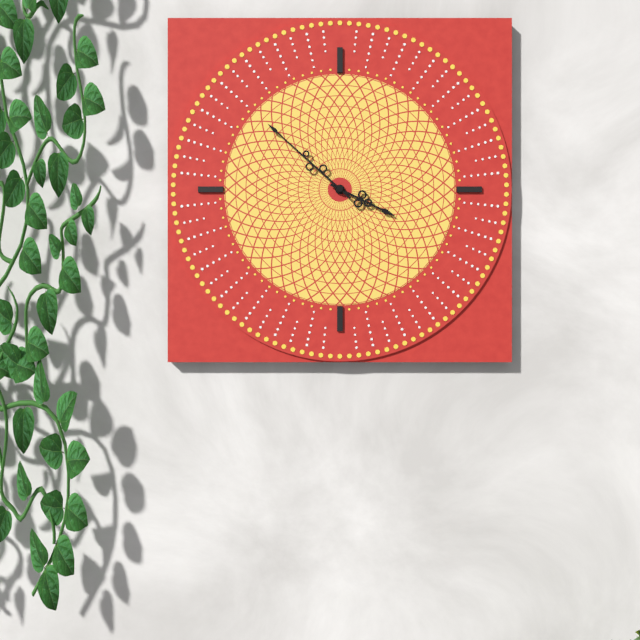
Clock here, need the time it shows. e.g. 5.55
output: 3.52
